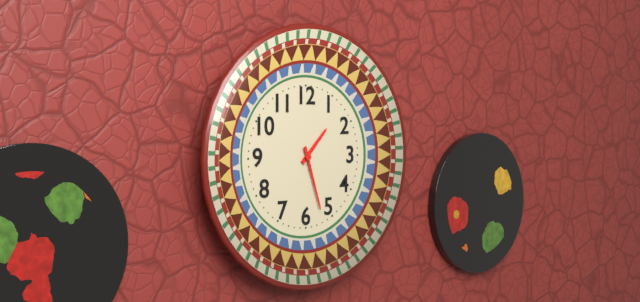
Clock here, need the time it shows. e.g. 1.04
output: 1.27
